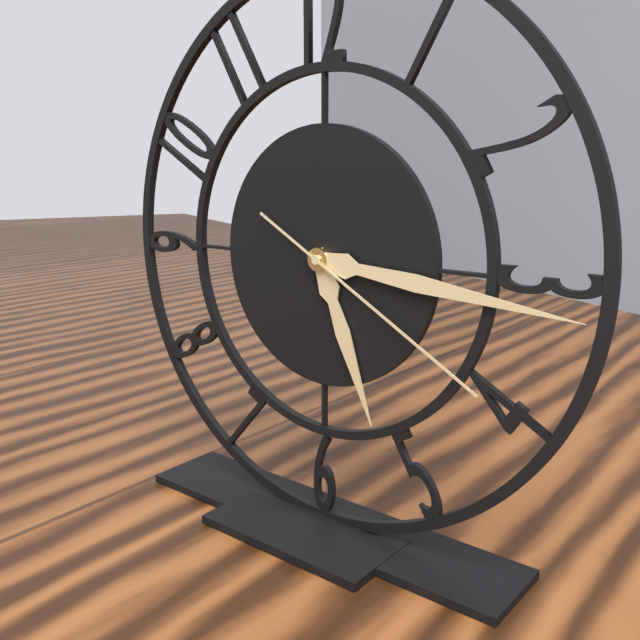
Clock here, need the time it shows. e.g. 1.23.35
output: 5.16.20
